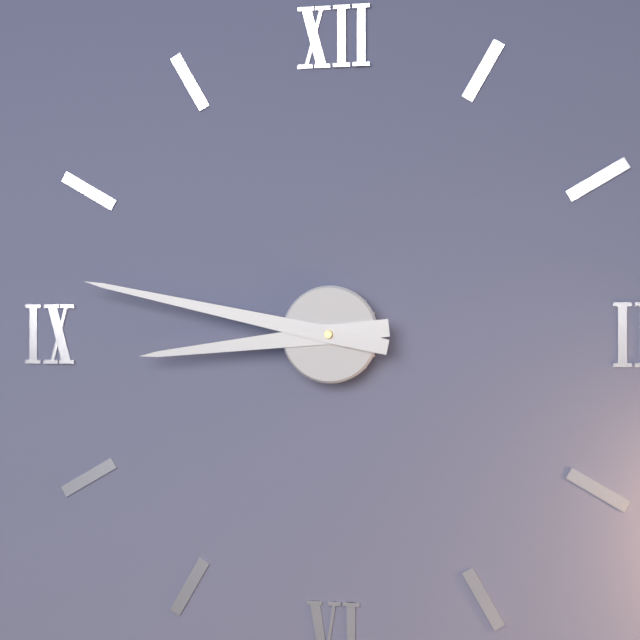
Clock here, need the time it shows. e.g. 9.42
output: 8.47
